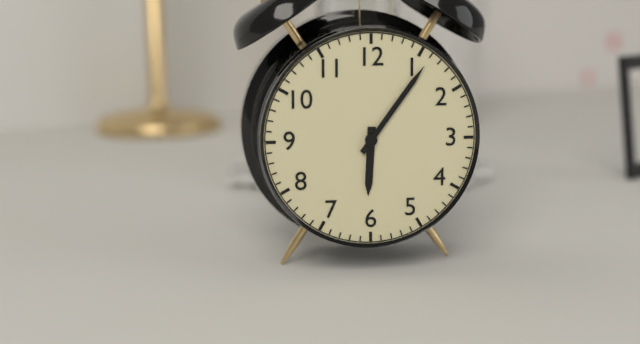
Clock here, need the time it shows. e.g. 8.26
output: 6.06
